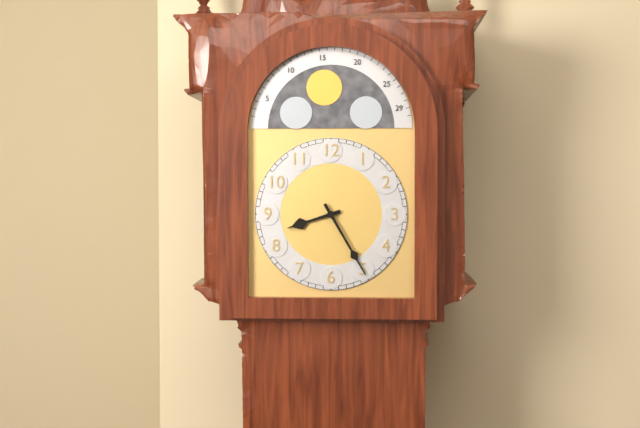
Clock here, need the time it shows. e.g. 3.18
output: 8.25
